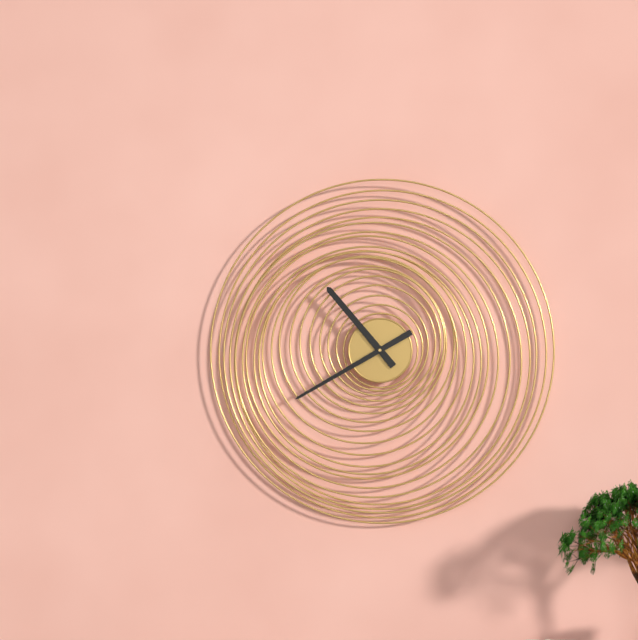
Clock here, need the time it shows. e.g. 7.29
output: 10.40
